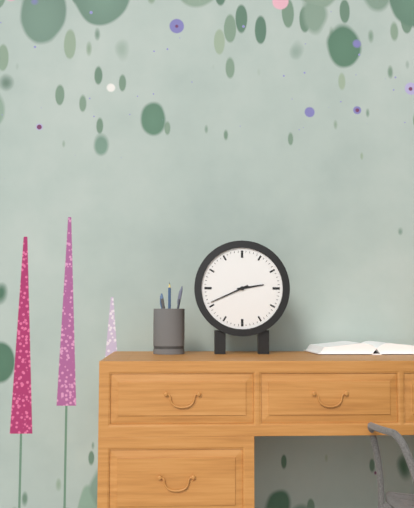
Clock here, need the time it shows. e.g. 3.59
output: 2.41
